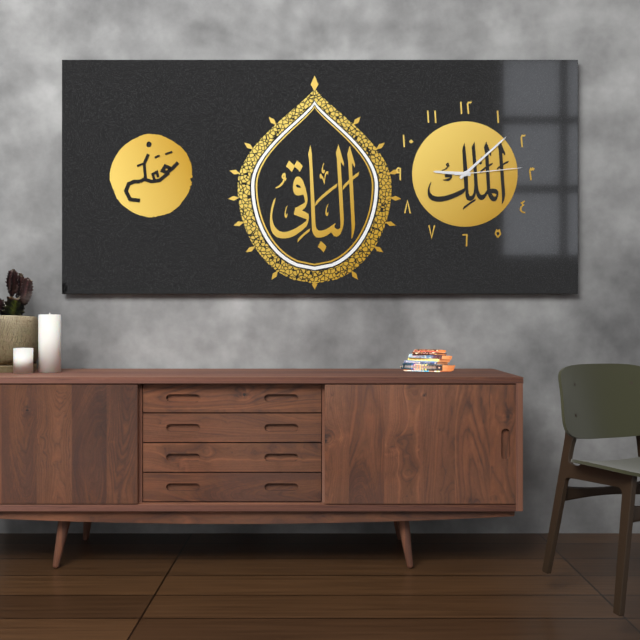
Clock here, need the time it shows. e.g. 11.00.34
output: 9.08.14
